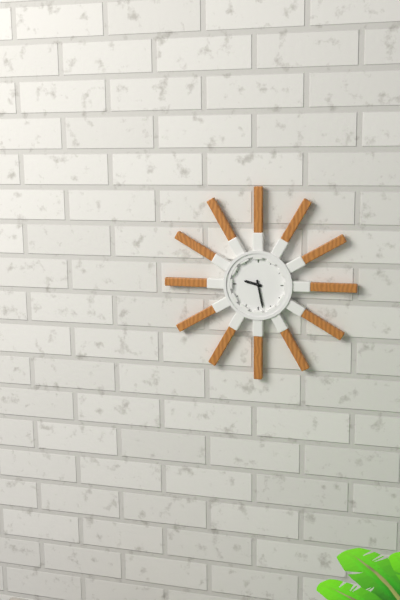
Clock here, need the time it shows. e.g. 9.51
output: 9.28
